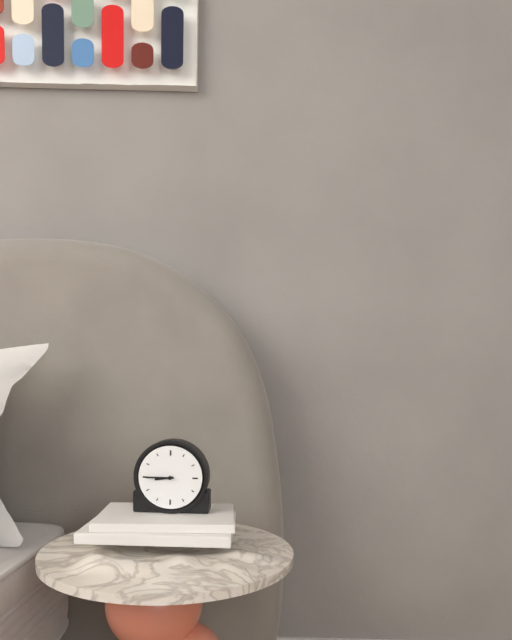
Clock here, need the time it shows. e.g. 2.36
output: 8.45
